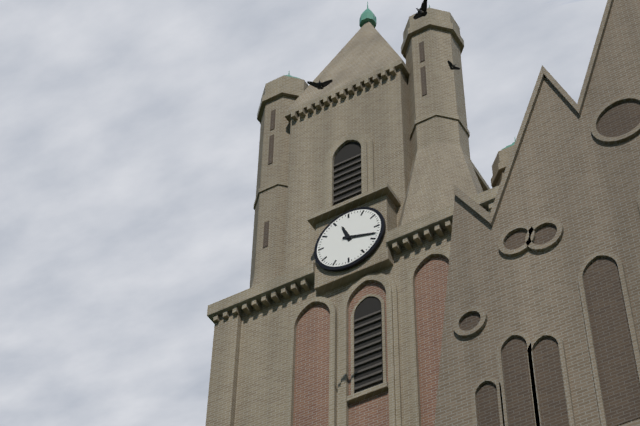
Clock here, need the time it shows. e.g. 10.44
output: 11.18
